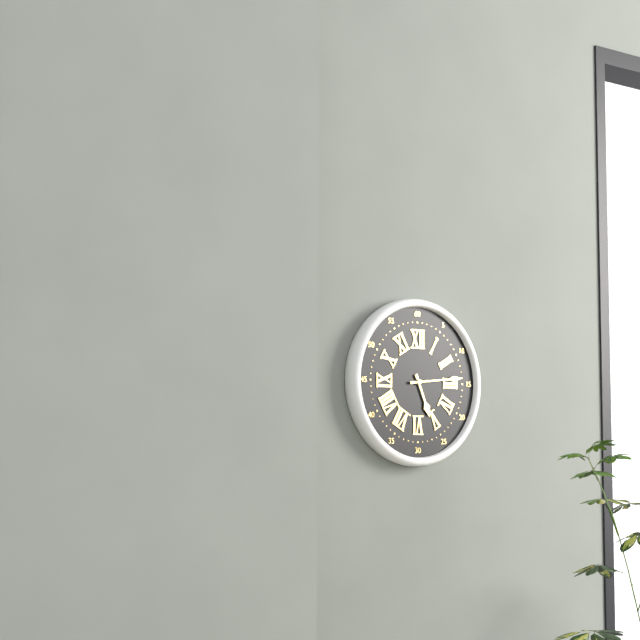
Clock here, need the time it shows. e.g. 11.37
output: 5.14
